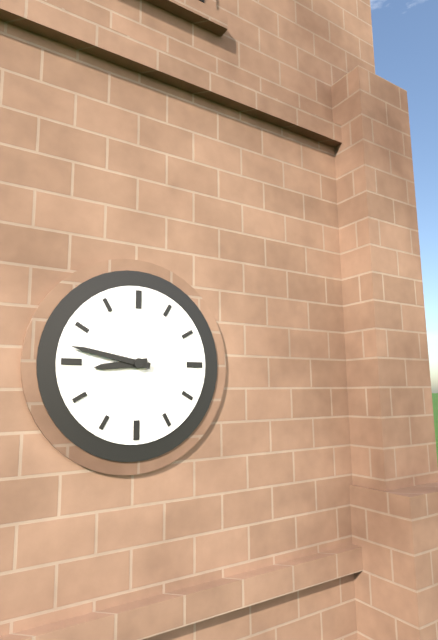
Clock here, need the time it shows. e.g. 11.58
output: 8.47
